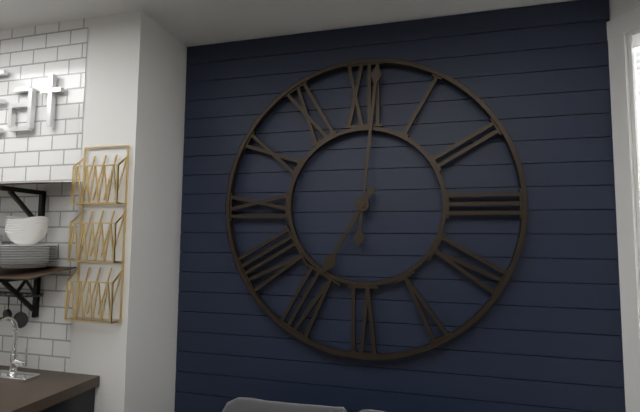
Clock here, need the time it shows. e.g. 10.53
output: 7.01
